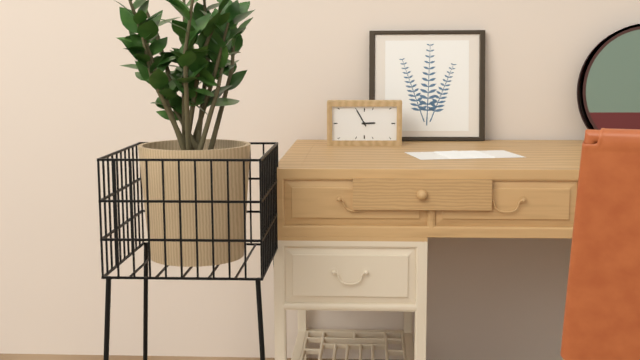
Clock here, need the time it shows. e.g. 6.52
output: 2.55
